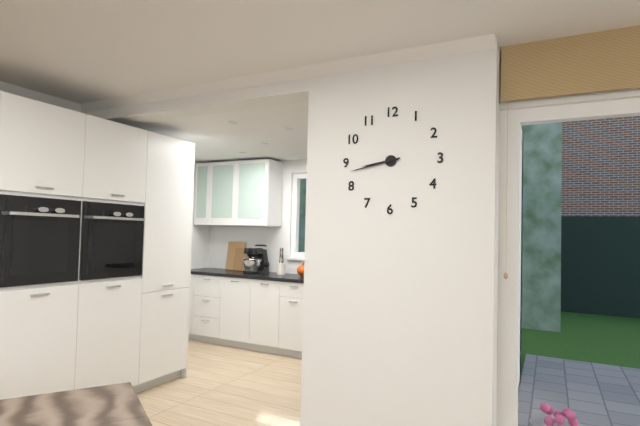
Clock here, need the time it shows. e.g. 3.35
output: 8.43
